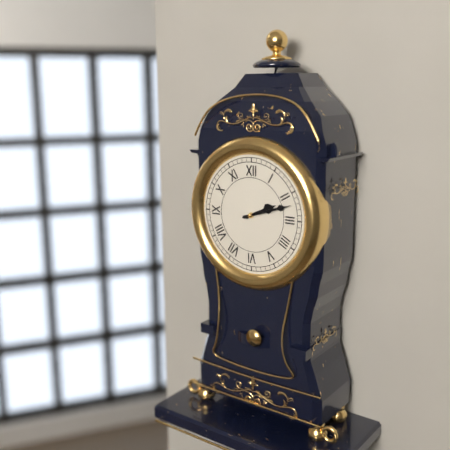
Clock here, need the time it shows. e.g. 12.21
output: 2.12
